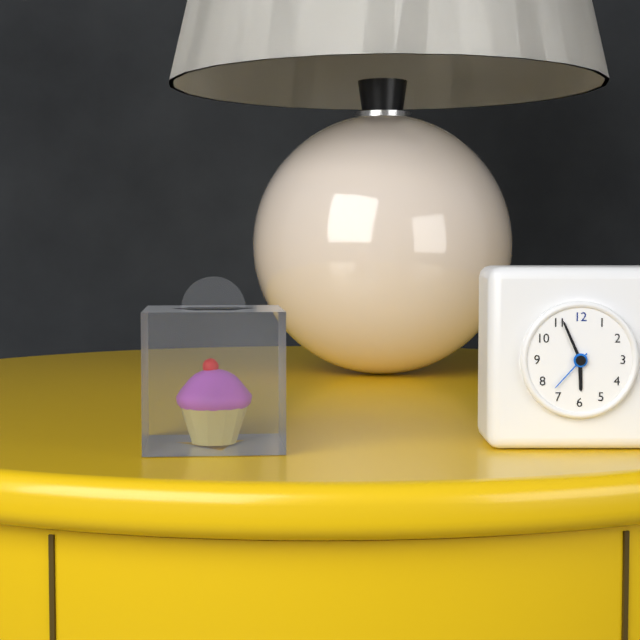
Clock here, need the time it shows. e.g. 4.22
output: 5.56
